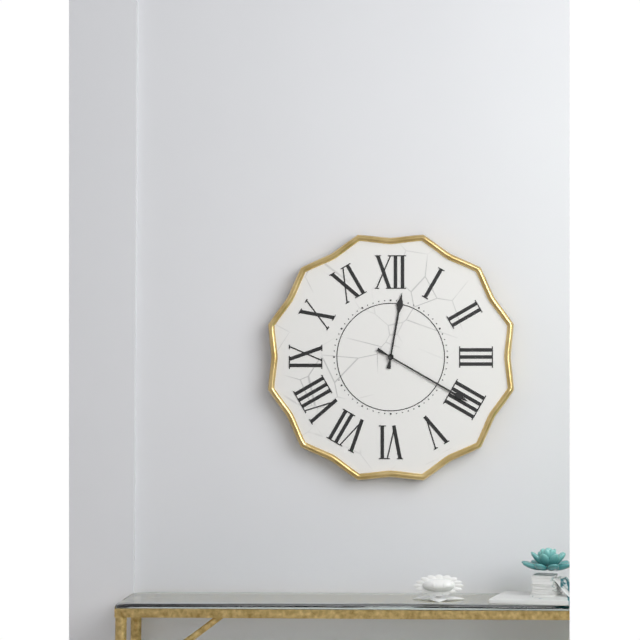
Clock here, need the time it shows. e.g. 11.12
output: 12.20
